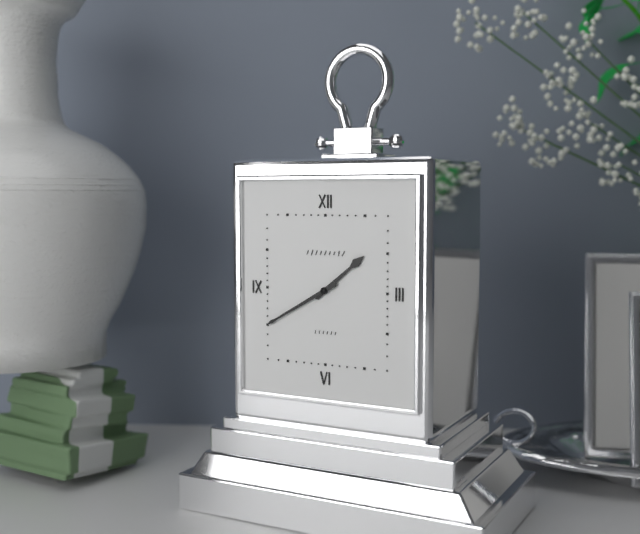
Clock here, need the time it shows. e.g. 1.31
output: 1.40
